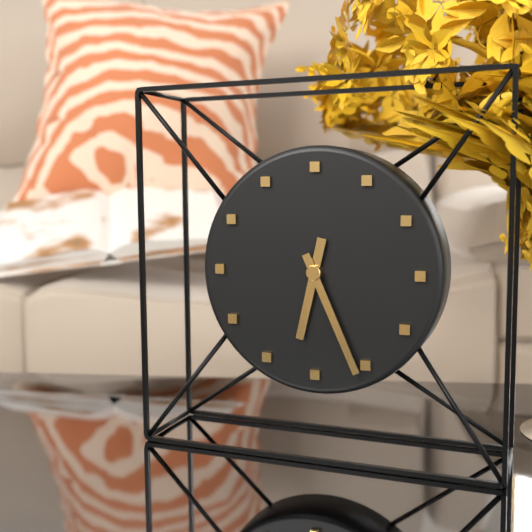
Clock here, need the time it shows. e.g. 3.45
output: 6.26
